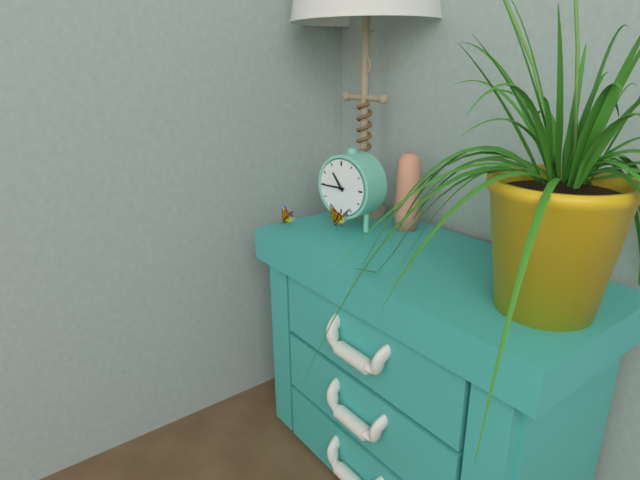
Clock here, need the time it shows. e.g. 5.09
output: 10.45
